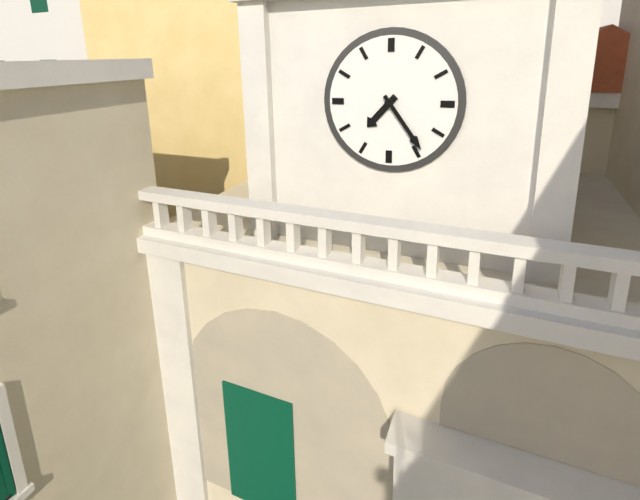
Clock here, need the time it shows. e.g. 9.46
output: 7.24
